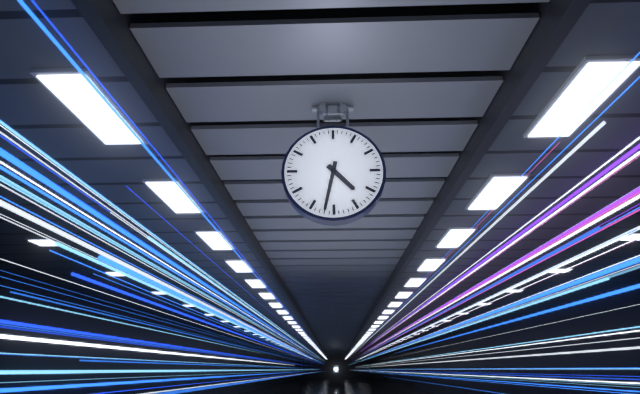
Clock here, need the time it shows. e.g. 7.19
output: 4.32
